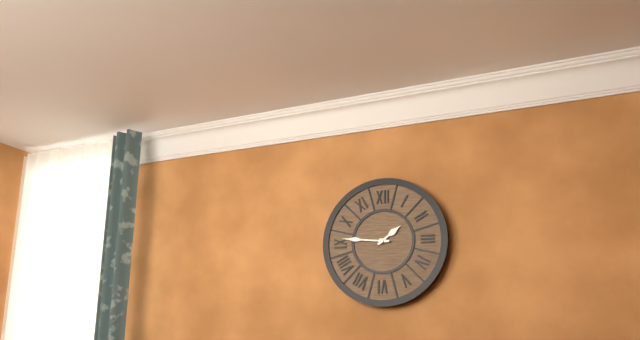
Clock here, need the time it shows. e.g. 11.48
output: 1.46
